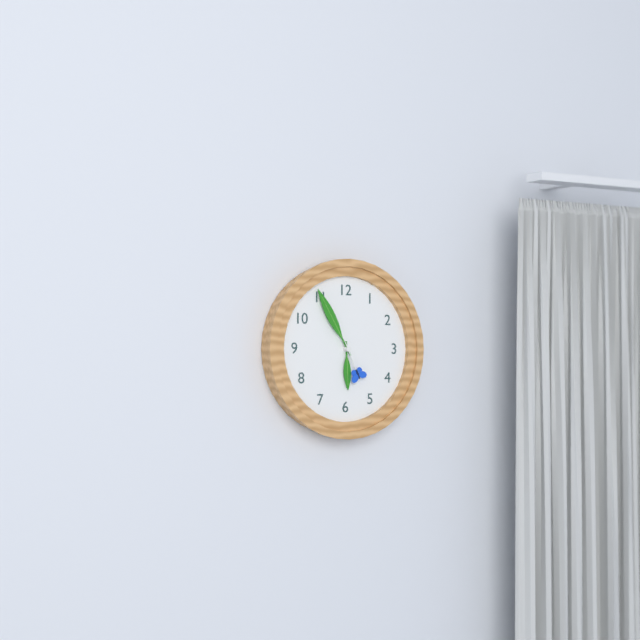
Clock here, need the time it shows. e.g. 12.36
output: 5.55
